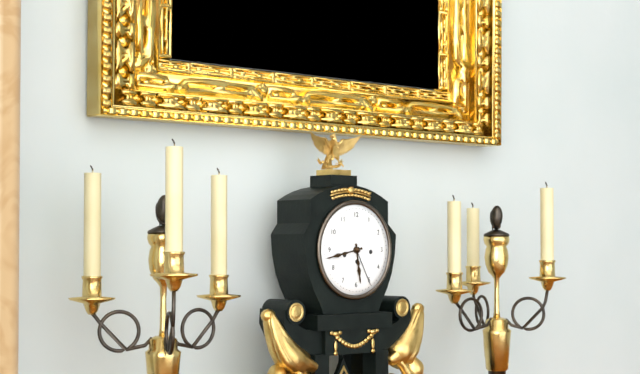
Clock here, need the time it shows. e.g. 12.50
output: 5.43
